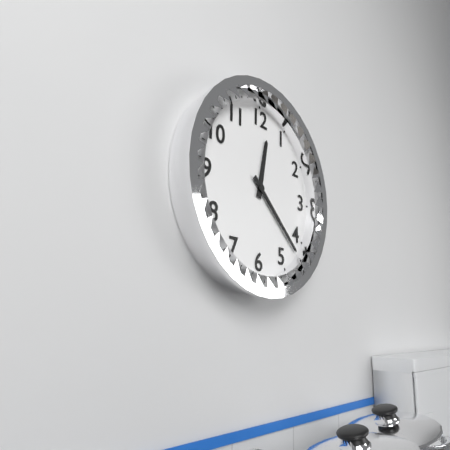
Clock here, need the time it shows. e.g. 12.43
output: 12.22
